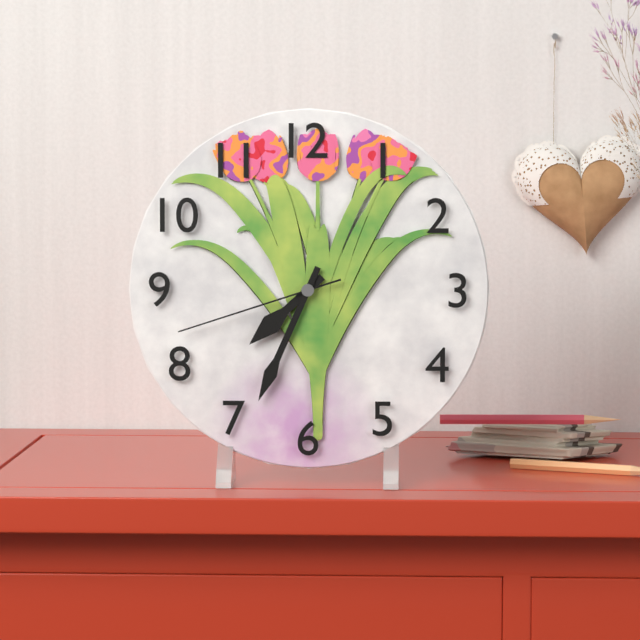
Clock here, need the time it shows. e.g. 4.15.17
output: 7.34.42
